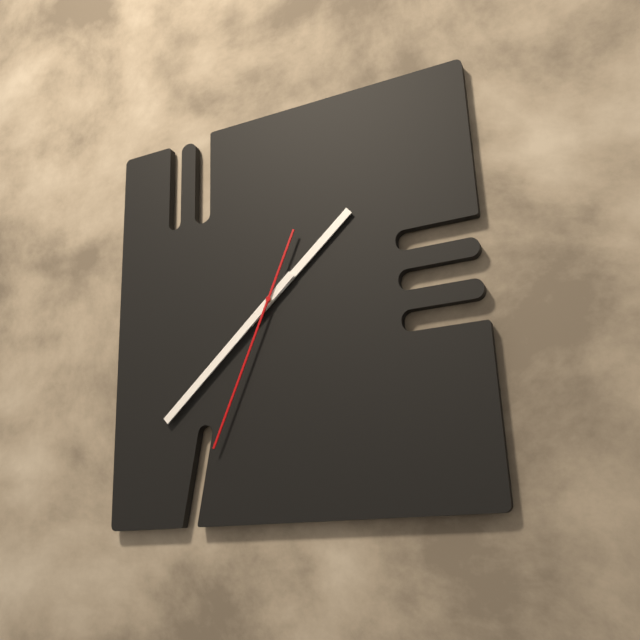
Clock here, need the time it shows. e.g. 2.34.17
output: 1.38.34
